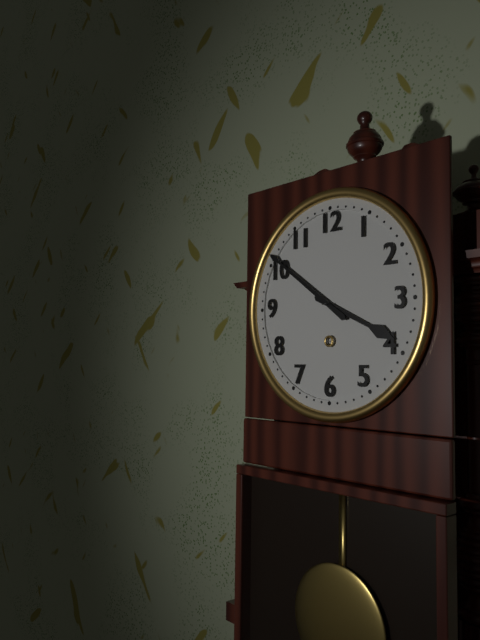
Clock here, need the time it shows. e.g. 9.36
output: 3.51
